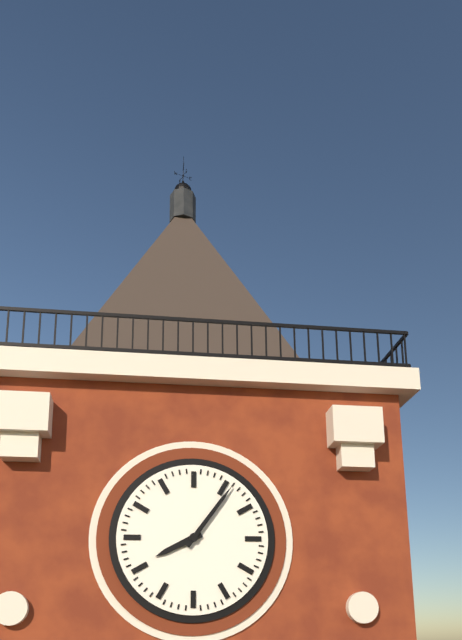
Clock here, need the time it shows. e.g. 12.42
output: 8.06
